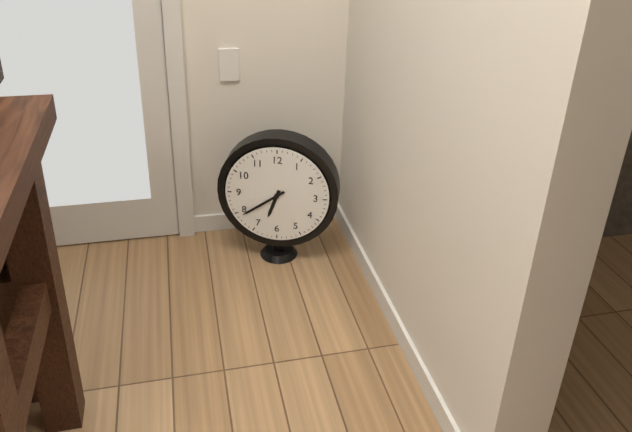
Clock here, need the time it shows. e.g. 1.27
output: 6.39
